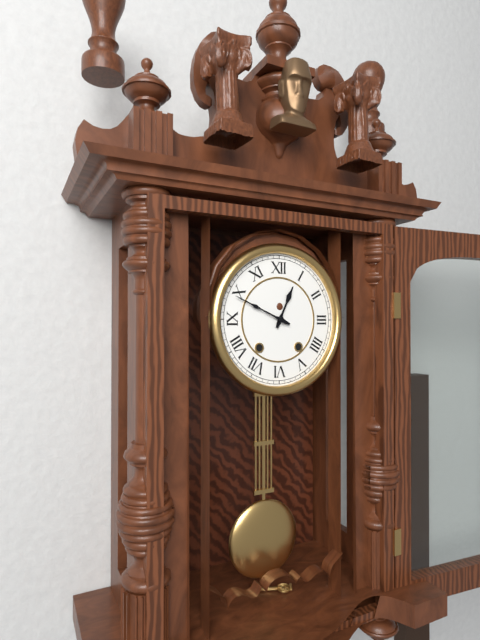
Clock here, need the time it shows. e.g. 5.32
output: 12.49
